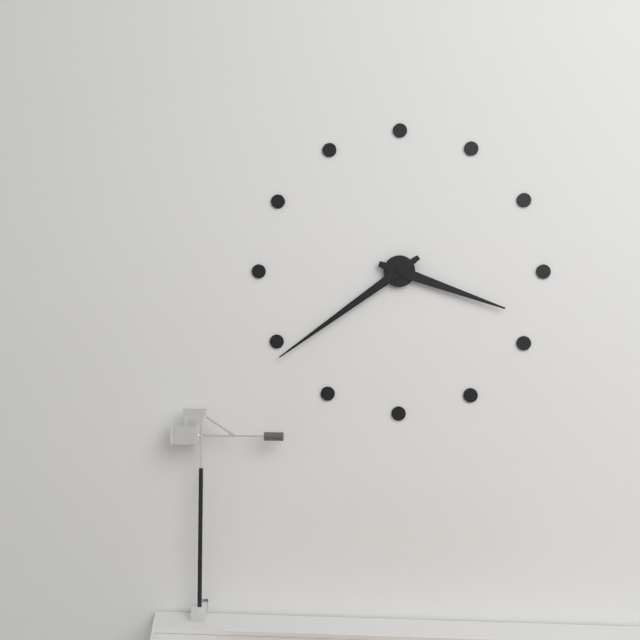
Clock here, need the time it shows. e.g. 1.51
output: 3.39
